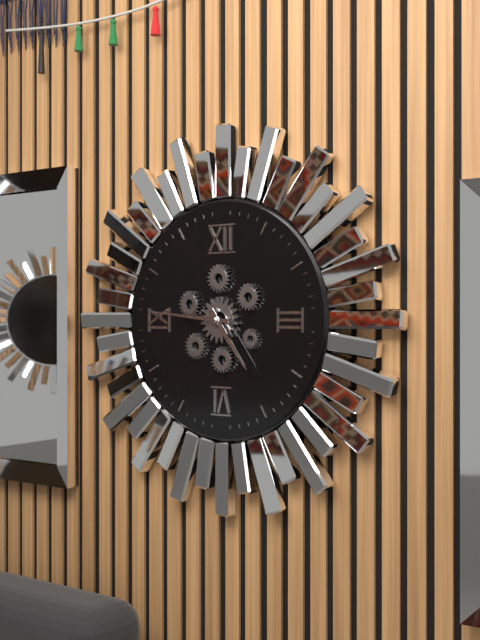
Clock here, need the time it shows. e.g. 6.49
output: 4.46
